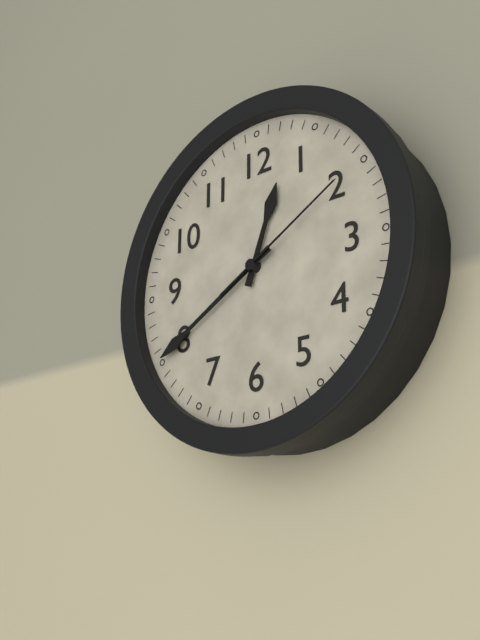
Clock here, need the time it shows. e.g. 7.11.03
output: 12.40.10
